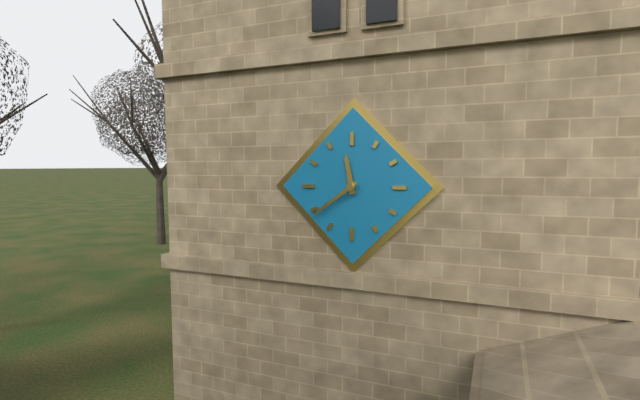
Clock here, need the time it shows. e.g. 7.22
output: 11.39
